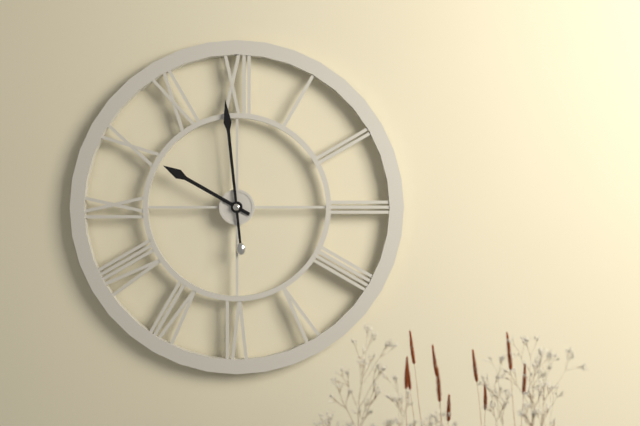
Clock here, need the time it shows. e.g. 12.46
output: 9.59
